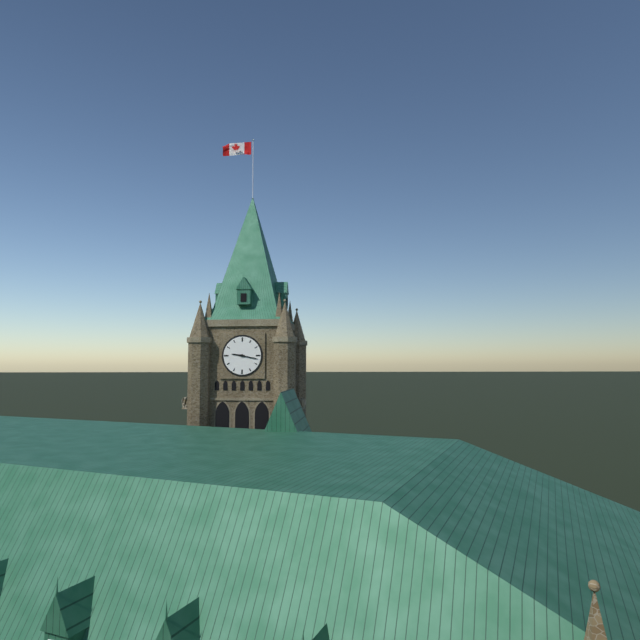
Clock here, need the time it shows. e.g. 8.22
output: 9.17
